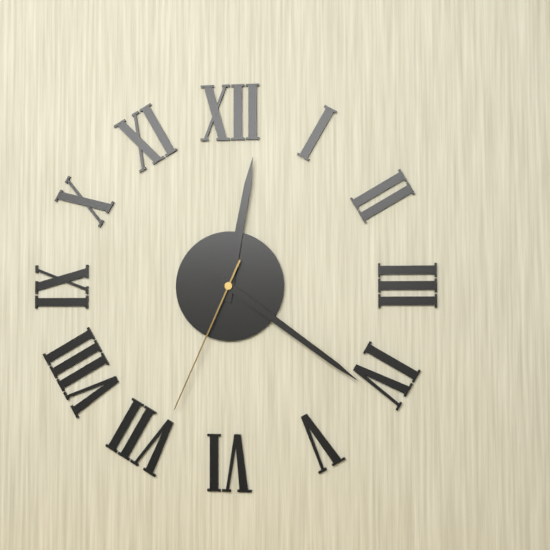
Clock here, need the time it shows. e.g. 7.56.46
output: 12.21.34
